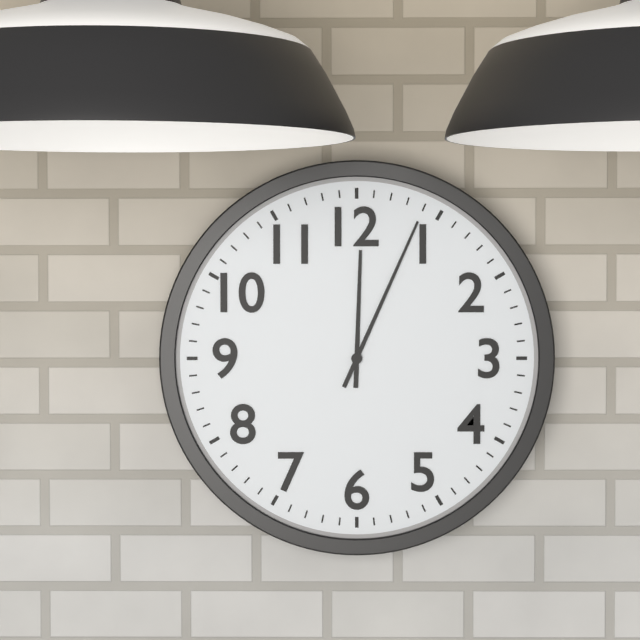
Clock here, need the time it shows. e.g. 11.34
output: 12.04
